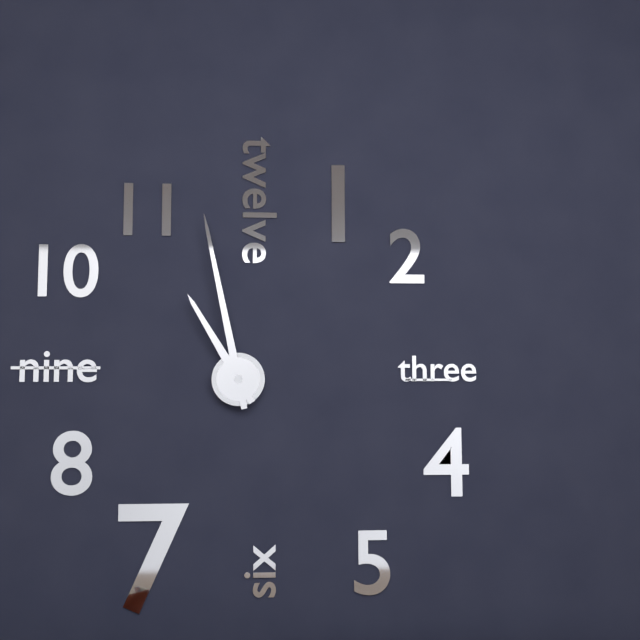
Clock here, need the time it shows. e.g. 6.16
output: 10.58
